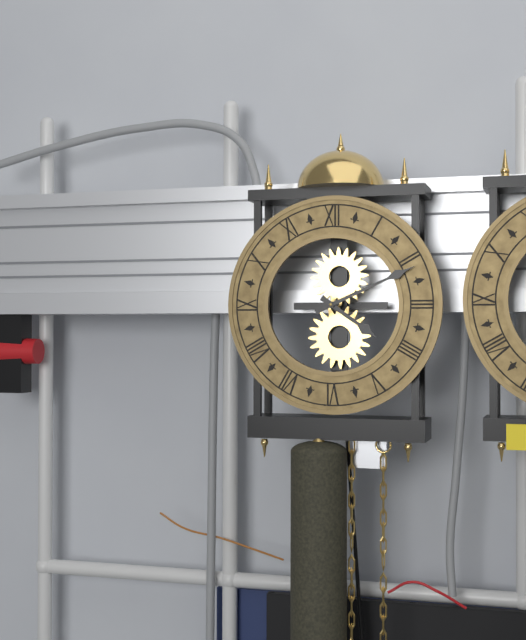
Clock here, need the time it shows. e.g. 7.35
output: 4.11
